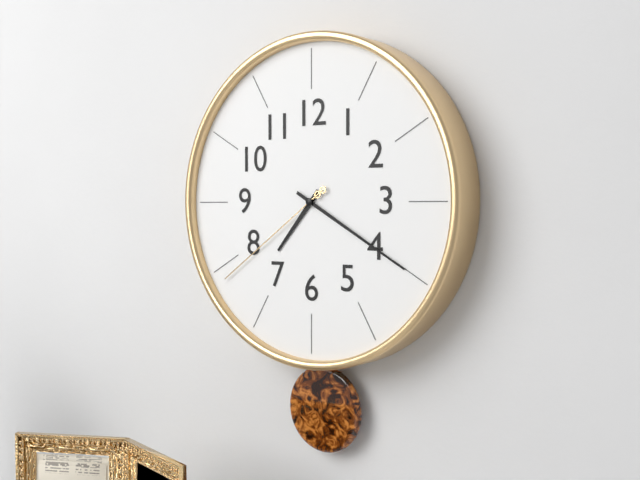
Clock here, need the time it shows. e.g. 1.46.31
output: 7.20.39
